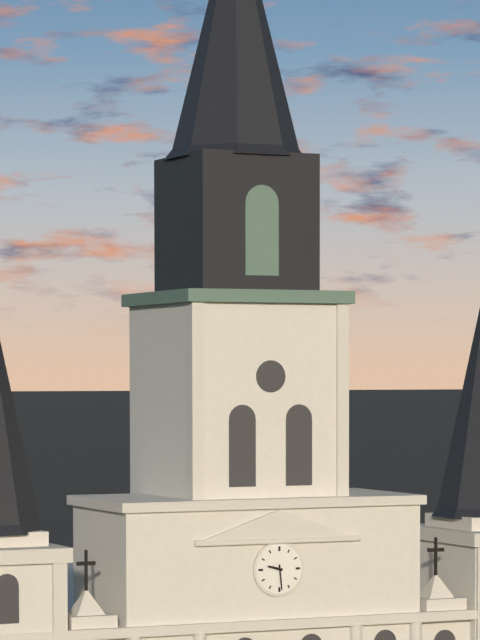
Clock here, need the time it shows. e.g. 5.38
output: 9.29
